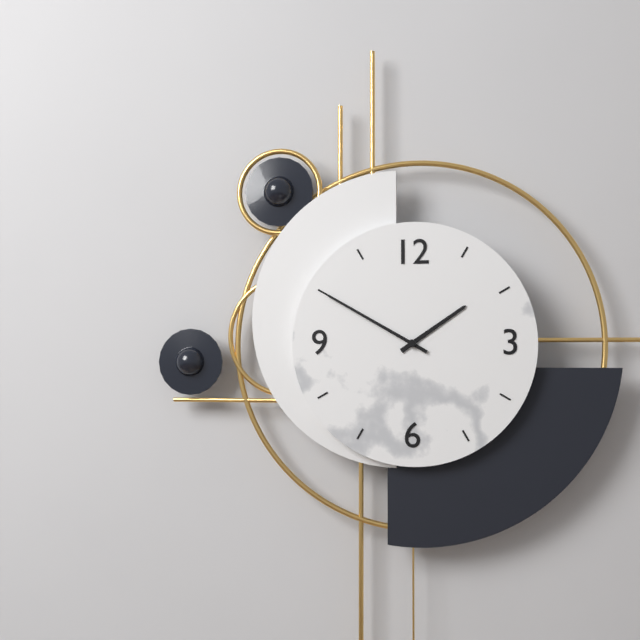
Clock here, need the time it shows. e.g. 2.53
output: 1.50
